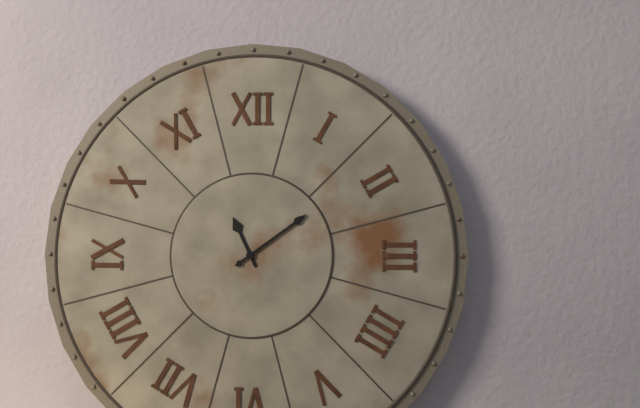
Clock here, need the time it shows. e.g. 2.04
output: 11.09
